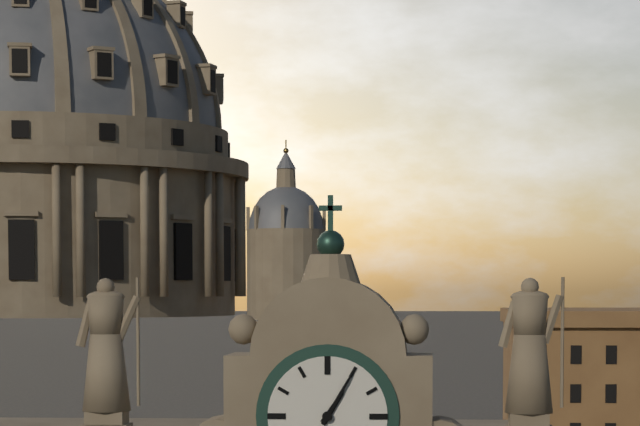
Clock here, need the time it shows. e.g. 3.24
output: 1.05
